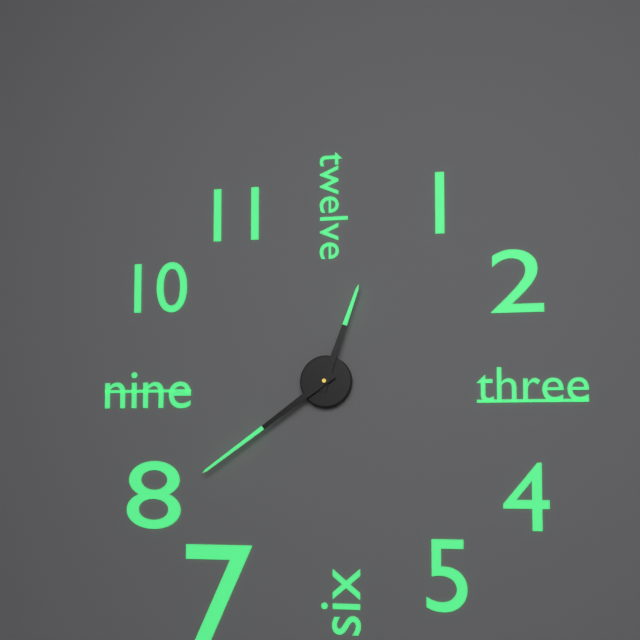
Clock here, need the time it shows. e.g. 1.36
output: 12.39
